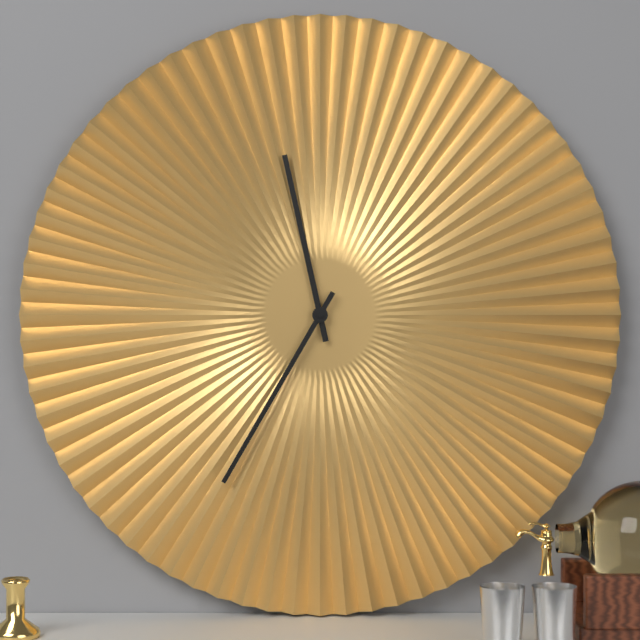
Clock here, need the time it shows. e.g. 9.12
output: 11.35
